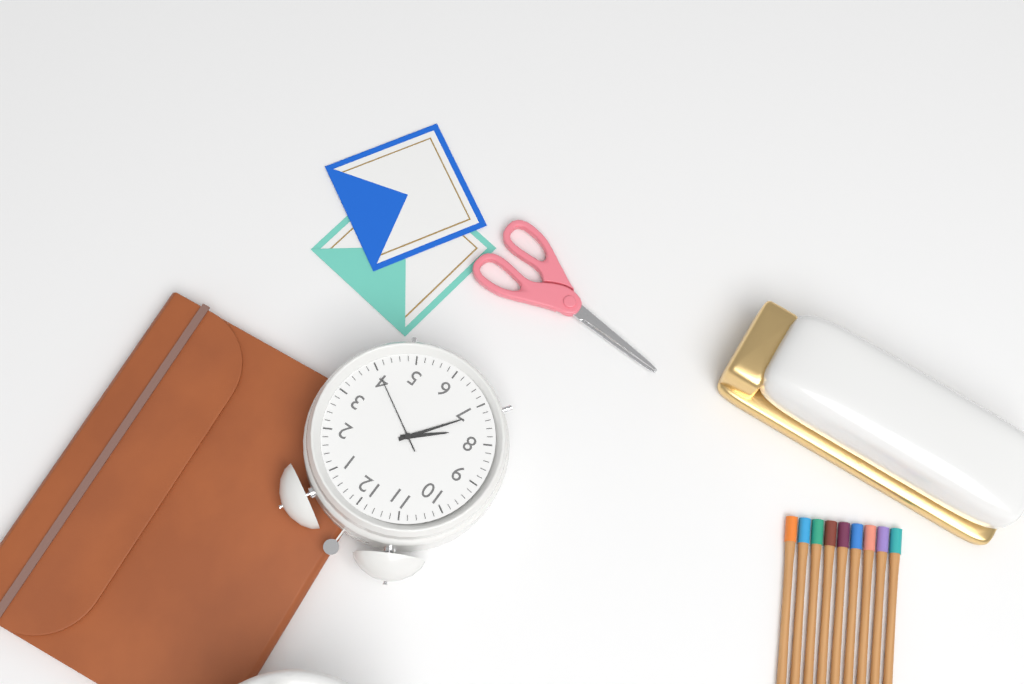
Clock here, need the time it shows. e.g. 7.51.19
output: 7.36.20
